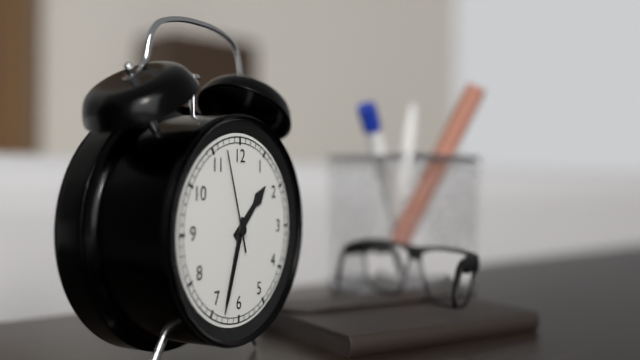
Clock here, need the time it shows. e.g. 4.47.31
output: 1.33.57
